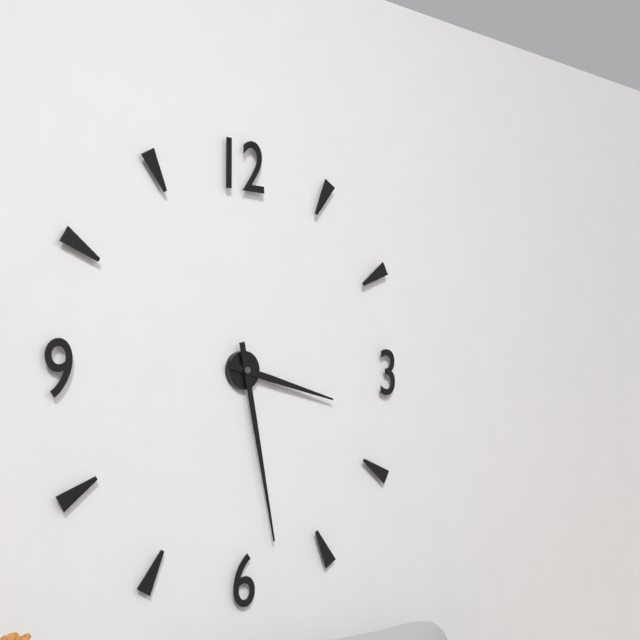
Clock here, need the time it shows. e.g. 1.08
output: 3.28
